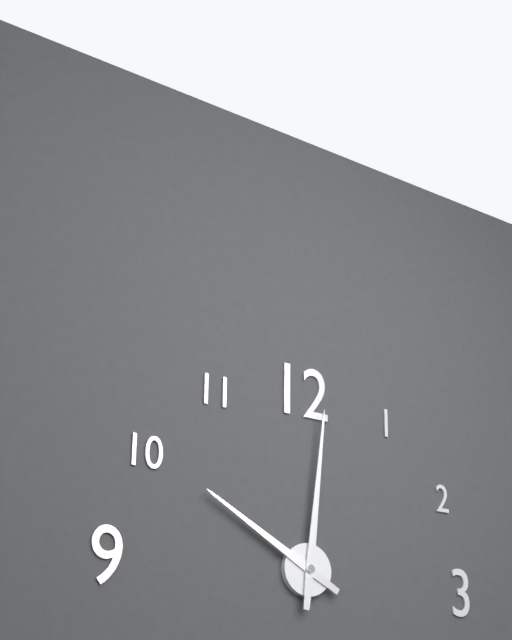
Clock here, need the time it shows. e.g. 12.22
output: 10.01
